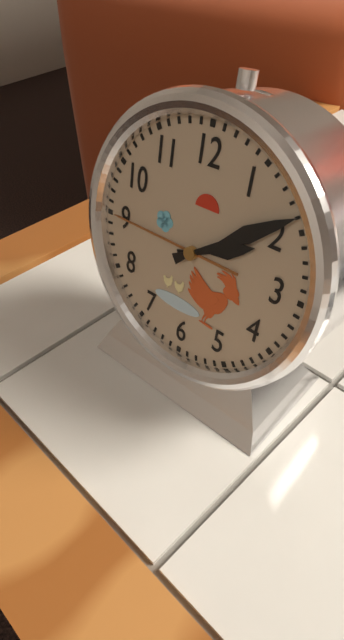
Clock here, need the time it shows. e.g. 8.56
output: 2.09
